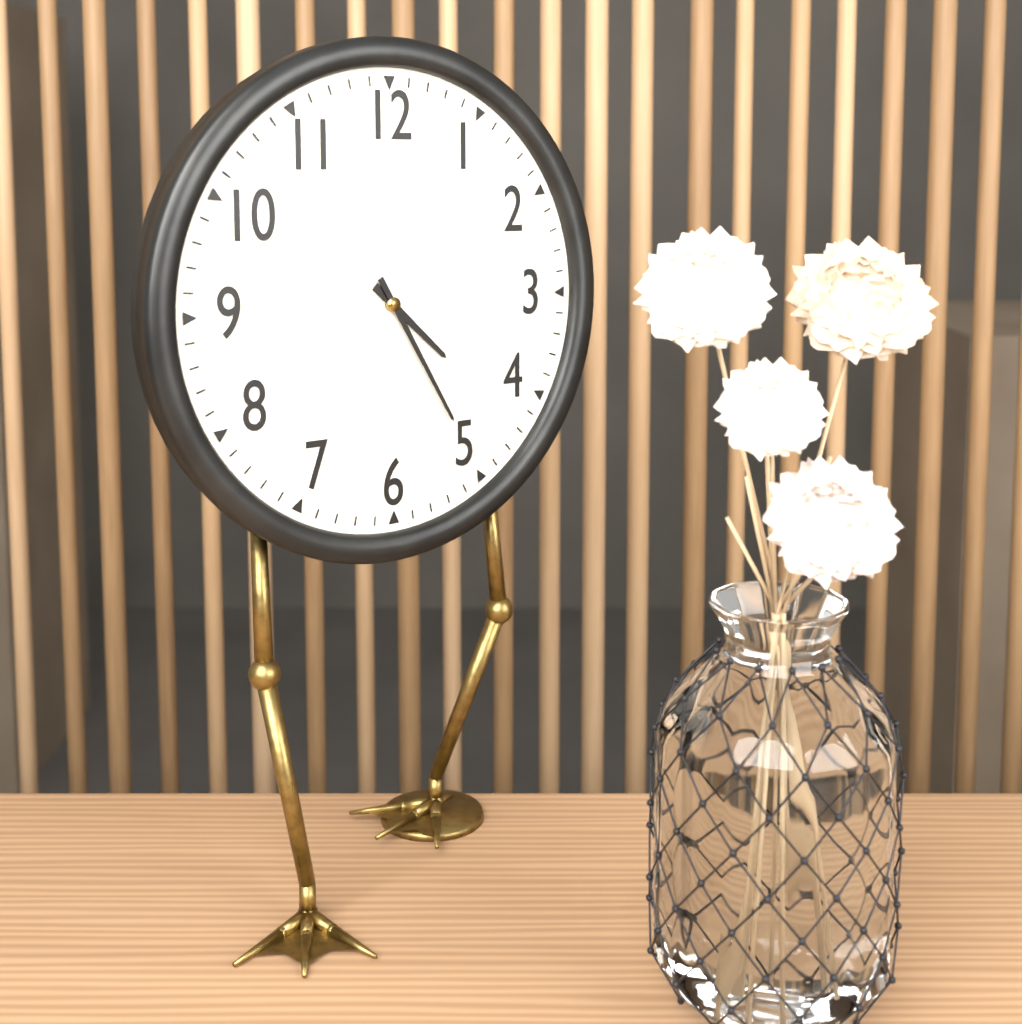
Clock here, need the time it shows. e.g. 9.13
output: 4.25
